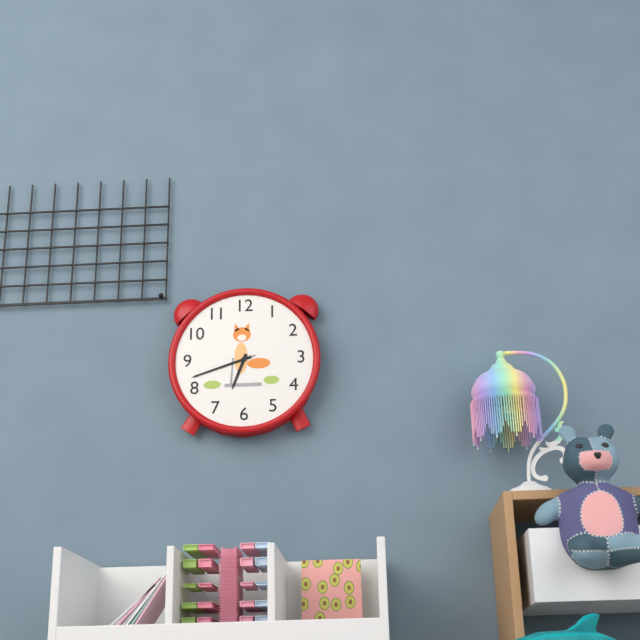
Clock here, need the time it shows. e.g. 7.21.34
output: 6.42.42
